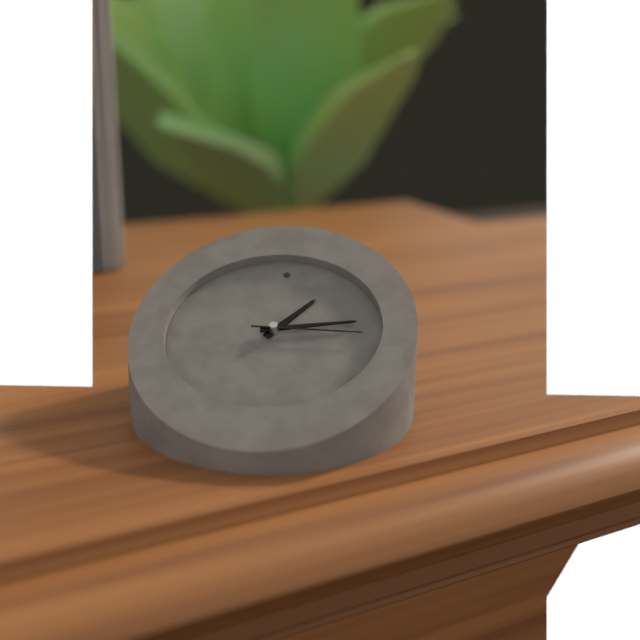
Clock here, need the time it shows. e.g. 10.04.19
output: 1.13.15
